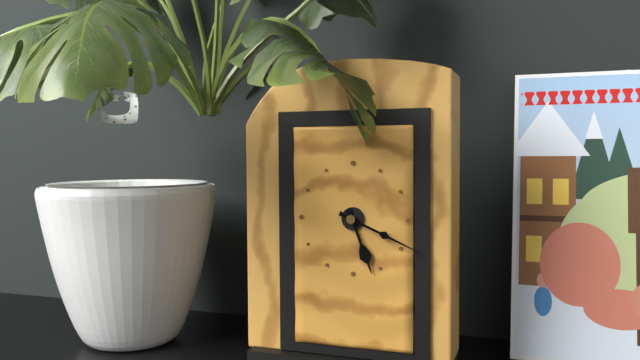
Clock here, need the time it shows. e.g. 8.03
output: 5.19
